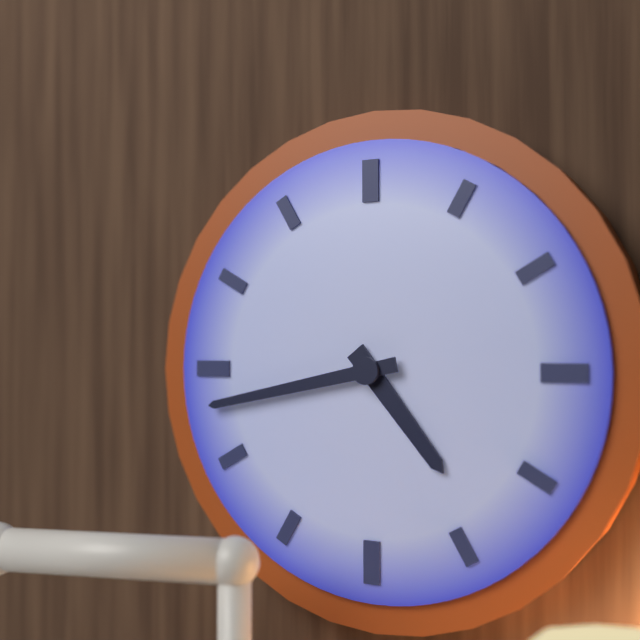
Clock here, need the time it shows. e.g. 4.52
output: 4.43
